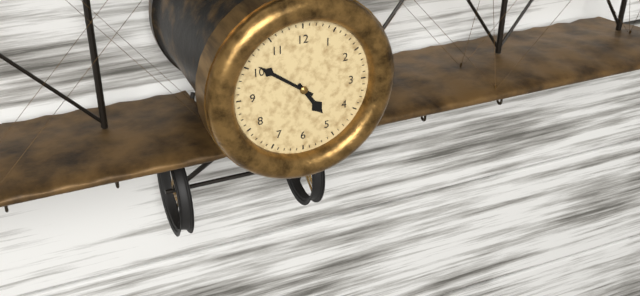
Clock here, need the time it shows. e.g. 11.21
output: 4.51
